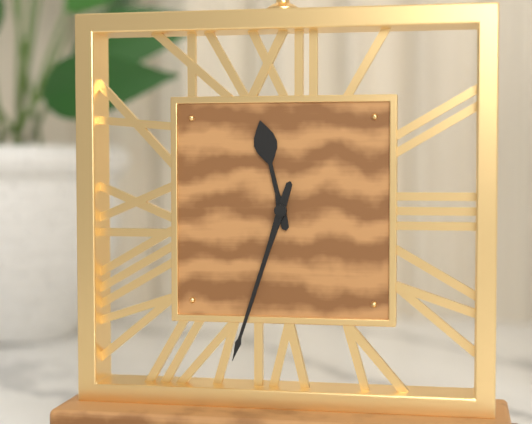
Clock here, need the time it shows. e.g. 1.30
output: 11.33
